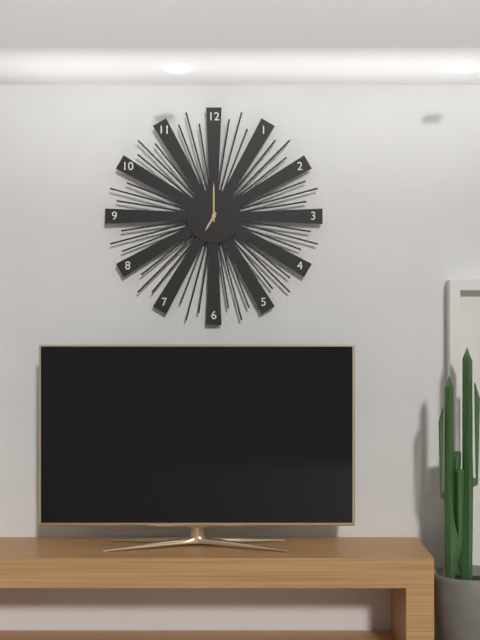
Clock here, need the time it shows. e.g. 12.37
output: 7.00
